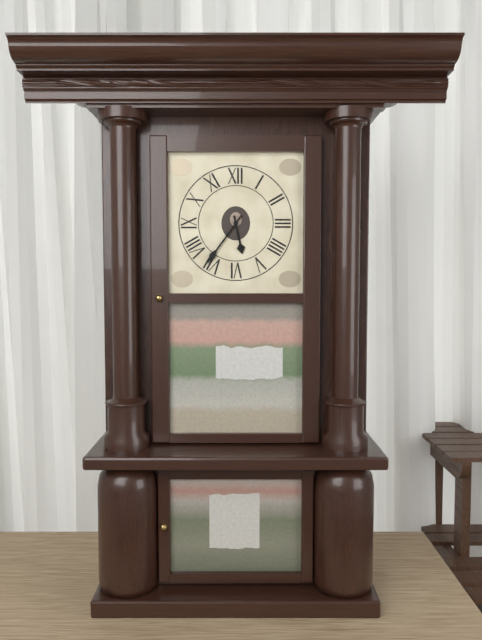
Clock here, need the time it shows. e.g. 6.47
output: 5.36
